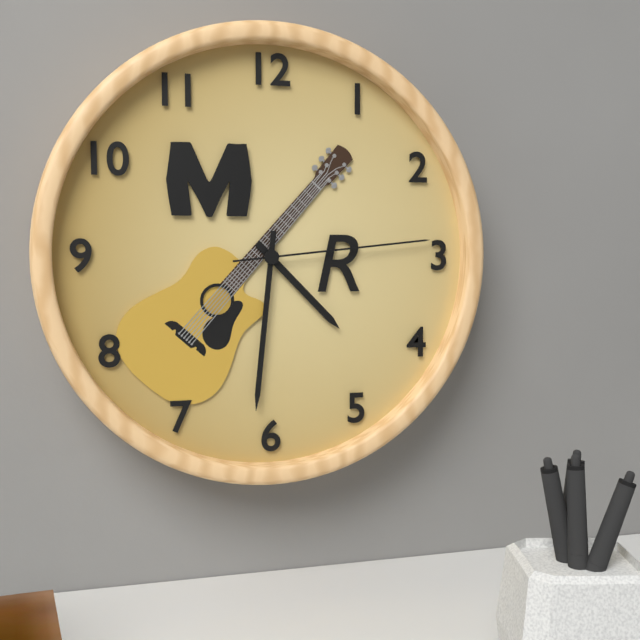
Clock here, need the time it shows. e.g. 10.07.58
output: 4.31.14
